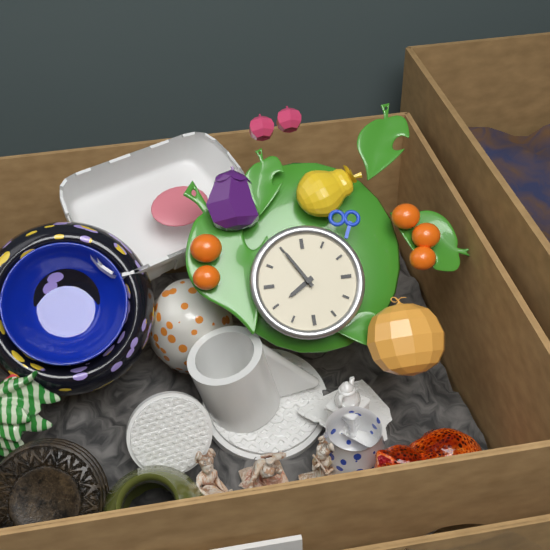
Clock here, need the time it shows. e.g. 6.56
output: 7.55
